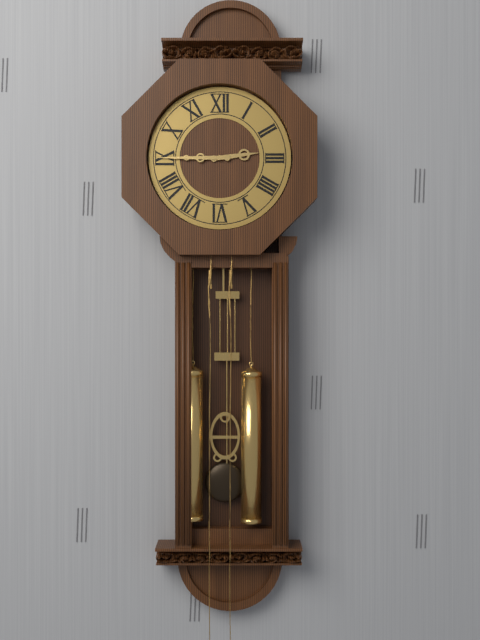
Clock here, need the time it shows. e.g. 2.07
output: 2.45
